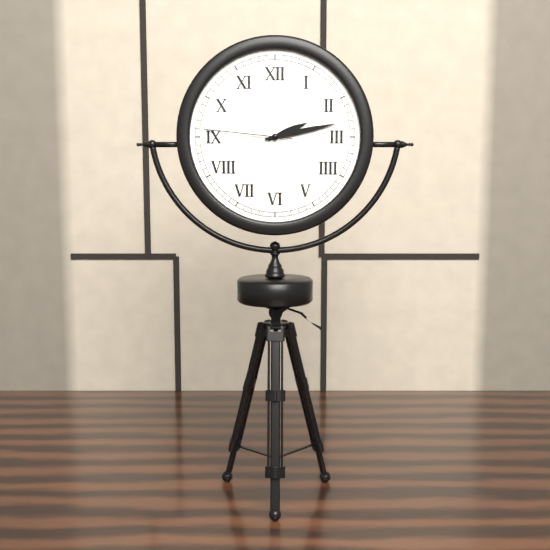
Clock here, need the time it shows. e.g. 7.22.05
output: 2.13.46
